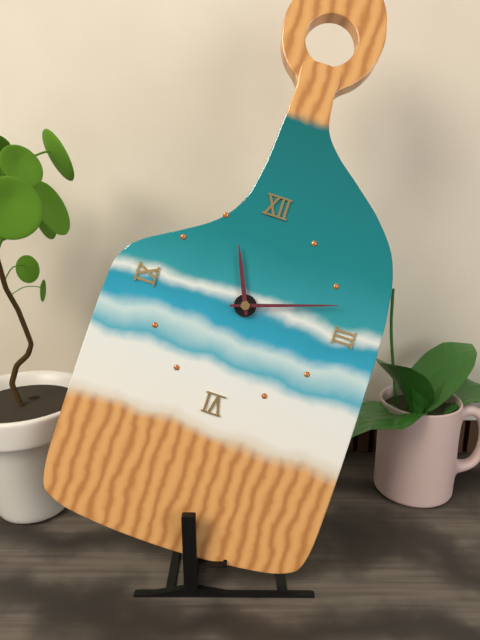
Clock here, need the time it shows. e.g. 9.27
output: 11.12
